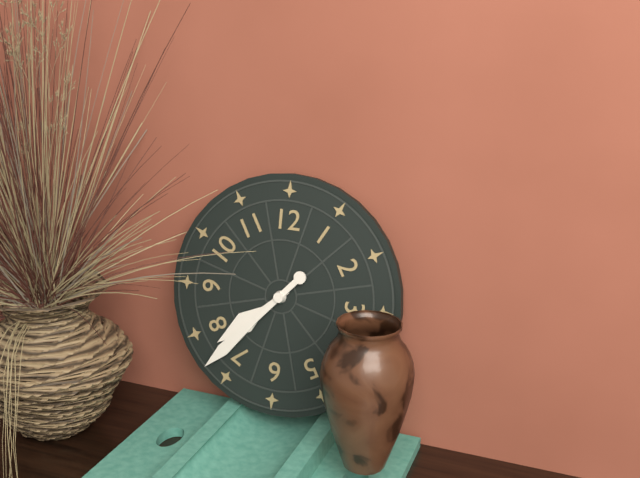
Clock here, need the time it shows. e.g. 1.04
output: 7.37
